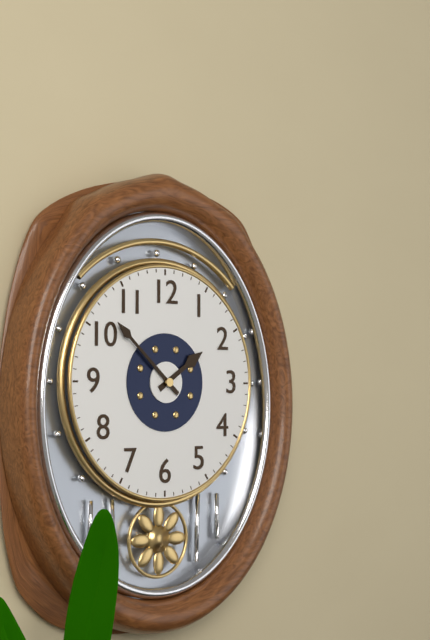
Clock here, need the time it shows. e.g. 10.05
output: 1.52
